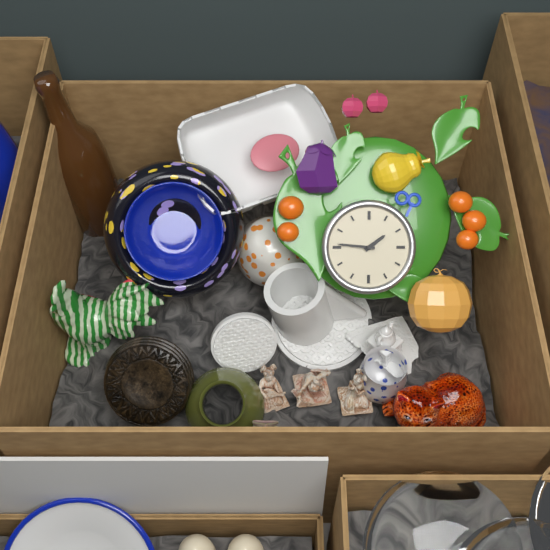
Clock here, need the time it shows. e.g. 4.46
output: 1.46
